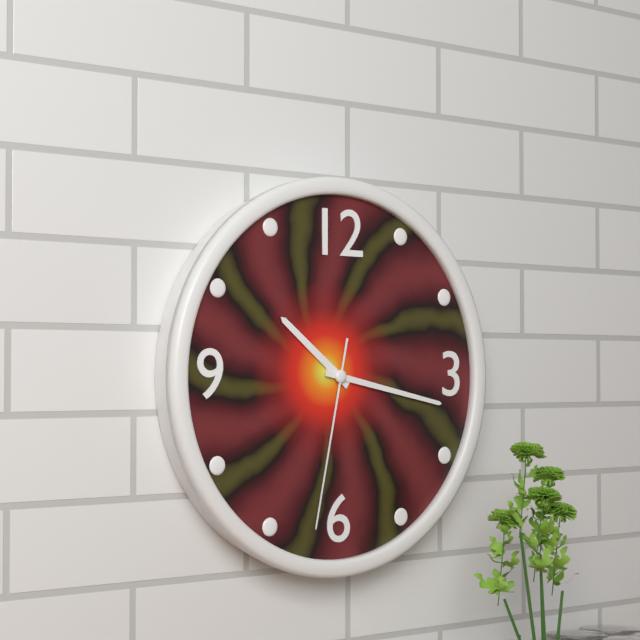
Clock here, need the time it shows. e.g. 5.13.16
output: 10.17.32
